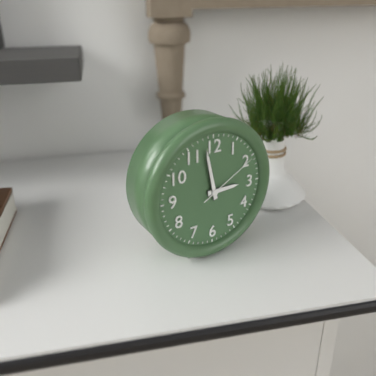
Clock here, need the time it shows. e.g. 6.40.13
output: 2.58.10
